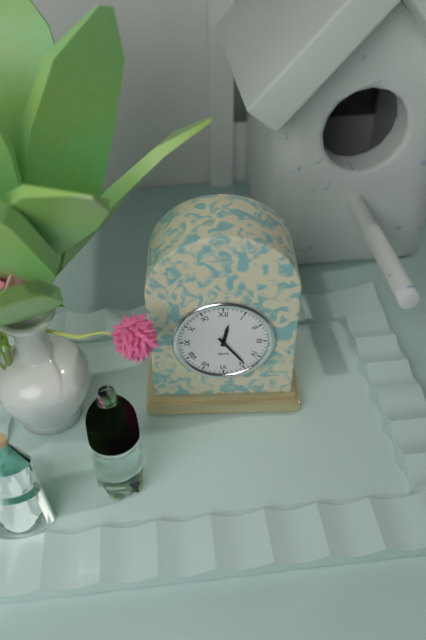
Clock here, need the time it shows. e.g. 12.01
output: 12.24
